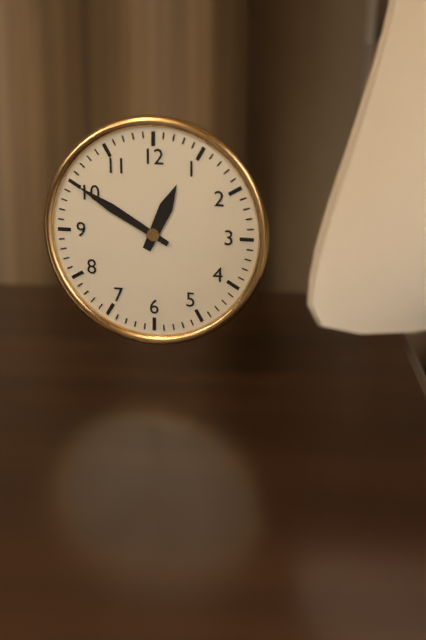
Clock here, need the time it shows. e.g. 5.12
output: 12.50
